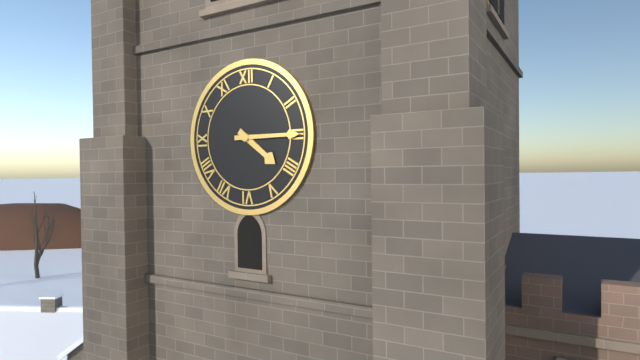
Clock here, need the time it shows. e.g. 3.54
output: 4.15
